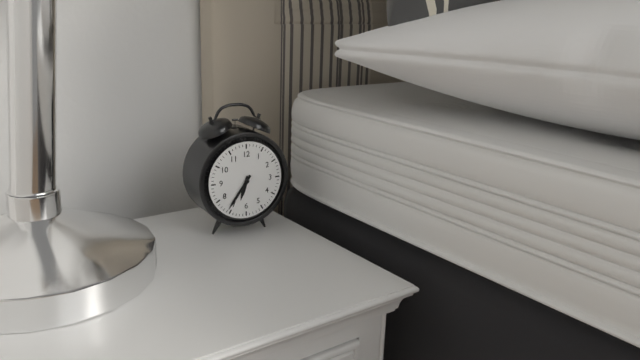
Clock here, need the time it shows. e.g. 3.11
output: 6.36
